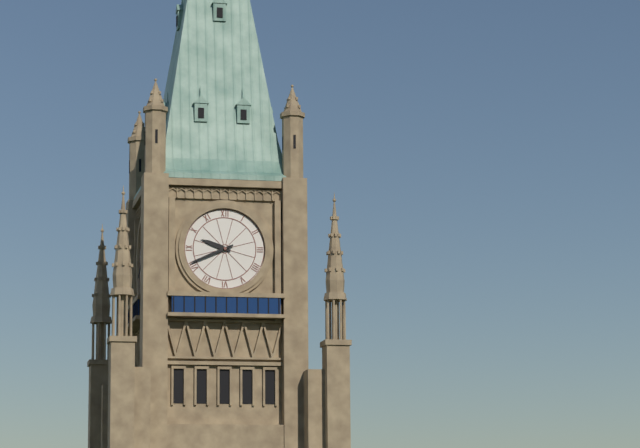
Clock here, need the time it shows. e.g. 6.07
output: 9.41
